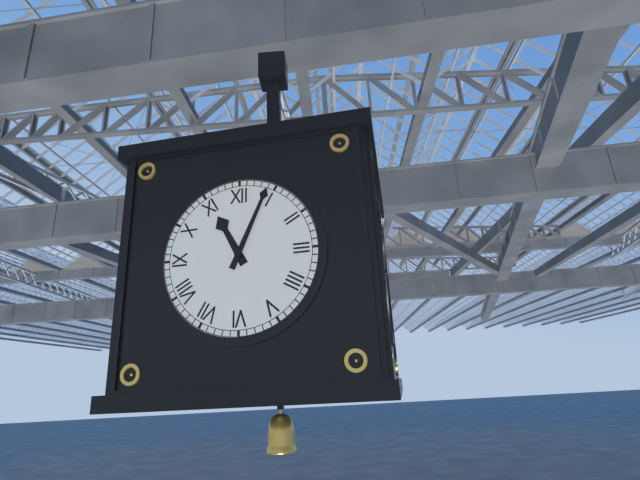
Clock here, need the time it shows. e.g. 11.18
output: 11.04
